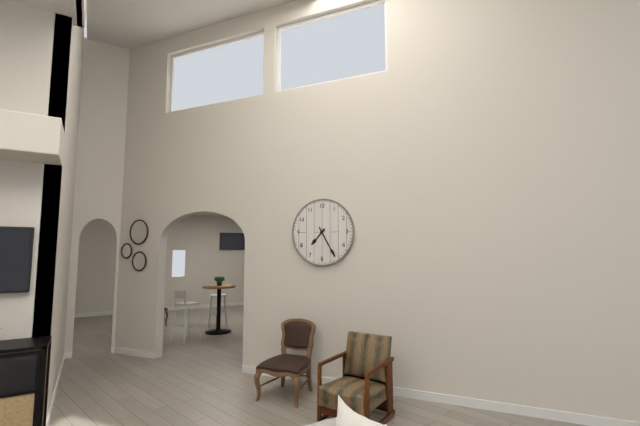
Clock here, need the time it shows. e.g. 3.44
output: 7.25
